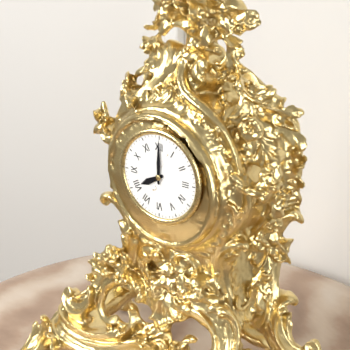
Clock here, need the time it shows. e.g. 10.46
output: 8.00
